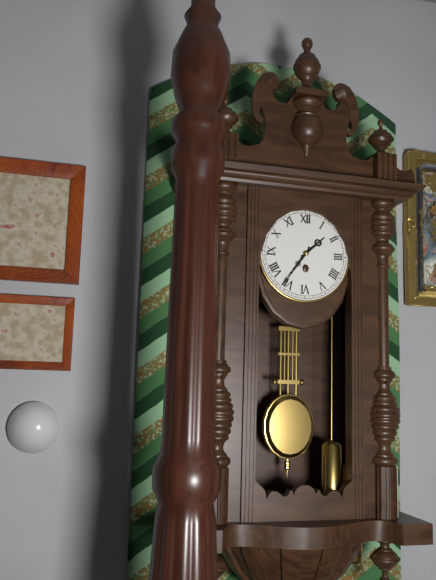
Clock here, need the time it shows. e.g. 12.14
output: 1.36
